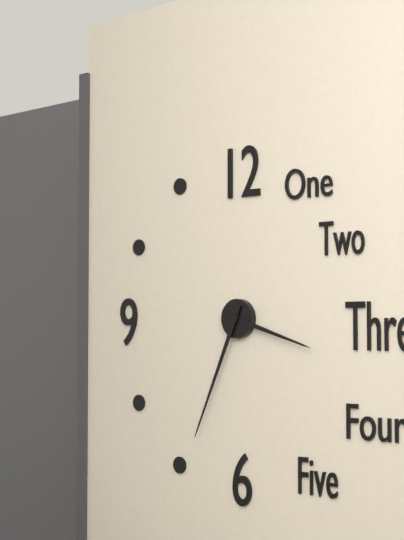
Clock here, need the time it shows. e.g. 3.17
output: 3.34
